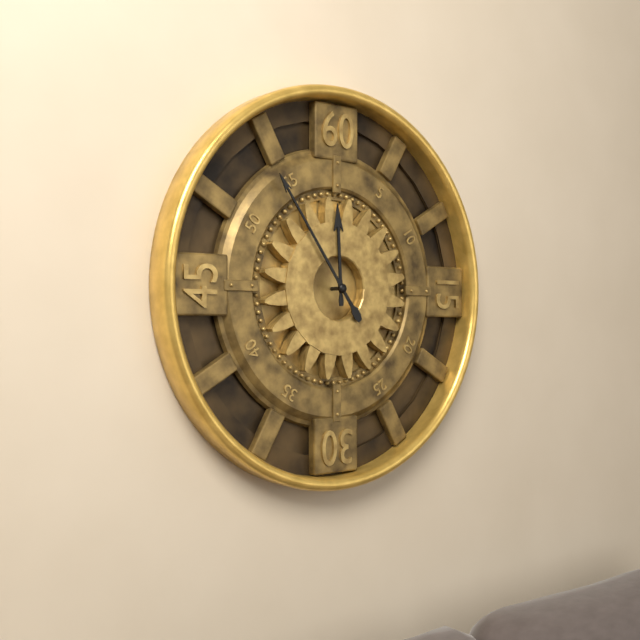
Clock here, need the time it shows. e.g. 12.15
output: 11.54
